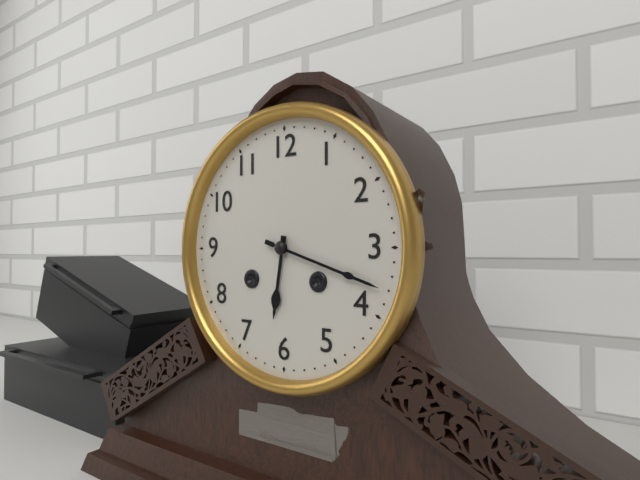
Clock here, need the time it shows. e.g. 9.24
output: 6.18
